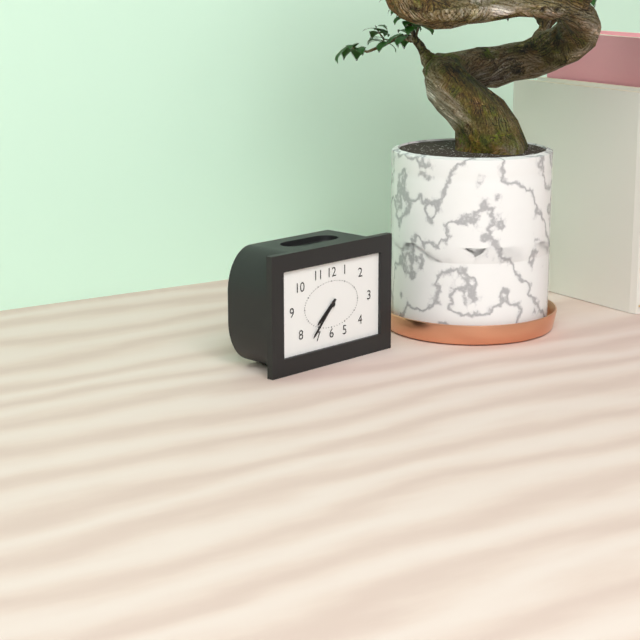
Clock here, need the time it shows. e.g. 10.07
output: 7.37
